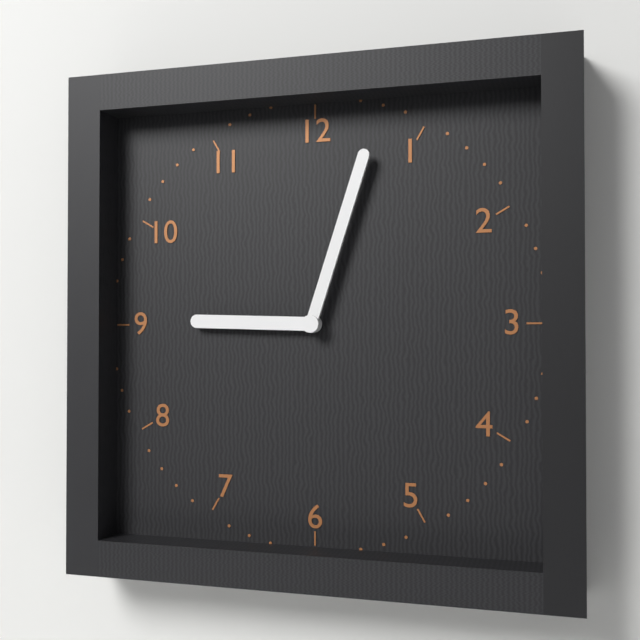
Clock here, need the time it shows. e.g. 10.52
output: 9.03
